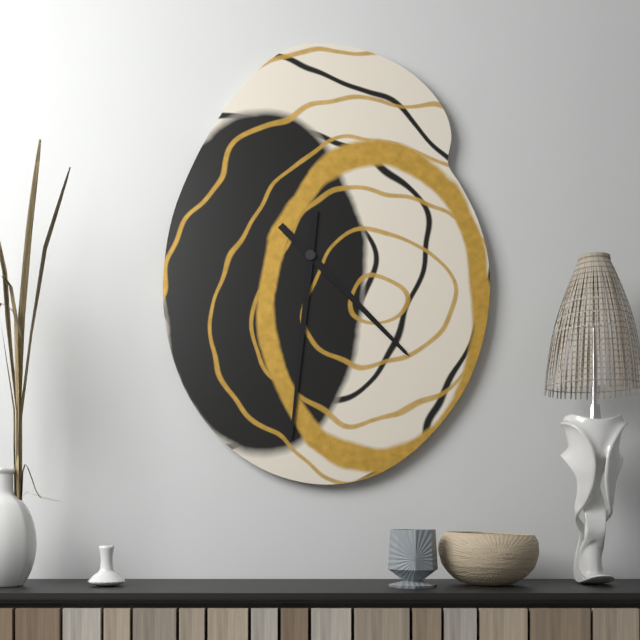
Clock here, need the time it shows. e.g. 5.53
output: 4.31
